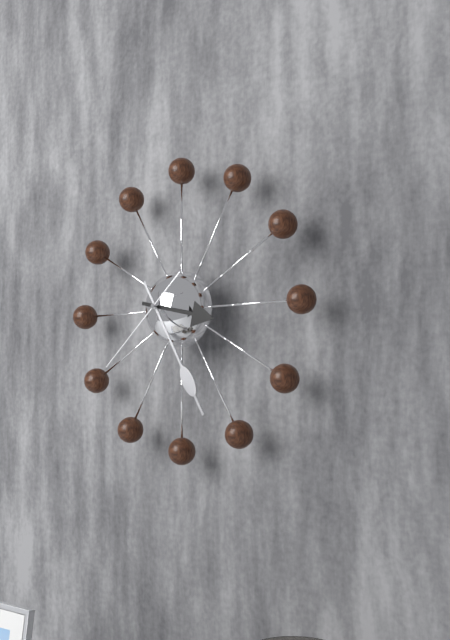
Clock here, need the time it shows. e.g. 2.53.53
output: 3.25.38
